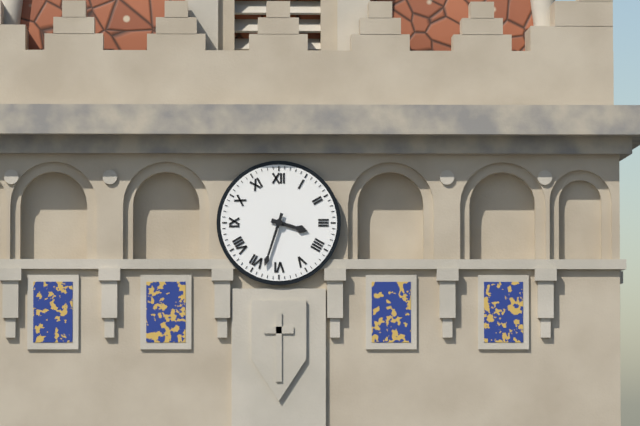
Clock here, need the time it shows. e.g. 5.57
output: 3.33
